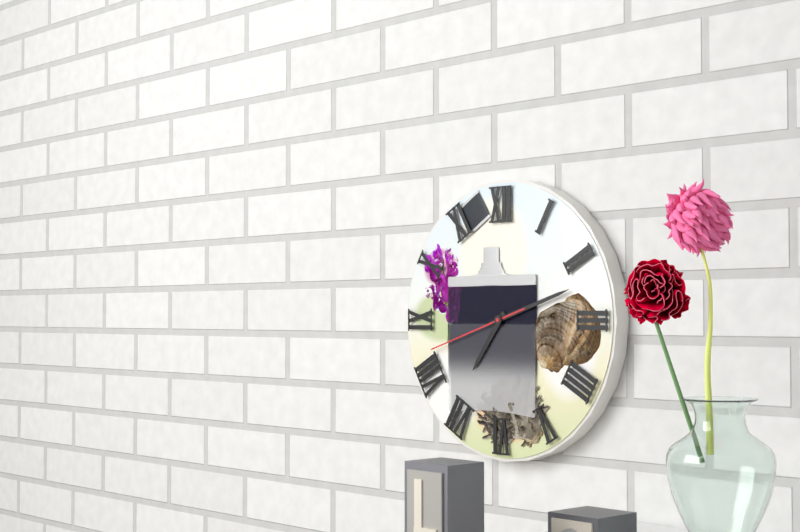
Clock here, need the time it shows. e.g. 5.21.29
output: 7.12.42
